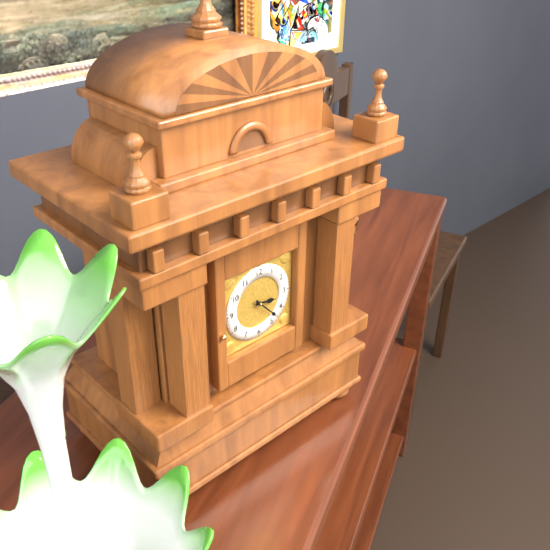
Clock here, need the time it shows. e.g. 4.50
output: 3.23
